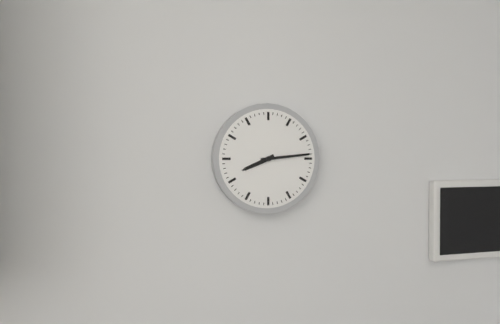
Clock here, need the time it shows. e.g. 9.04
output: 8.14
